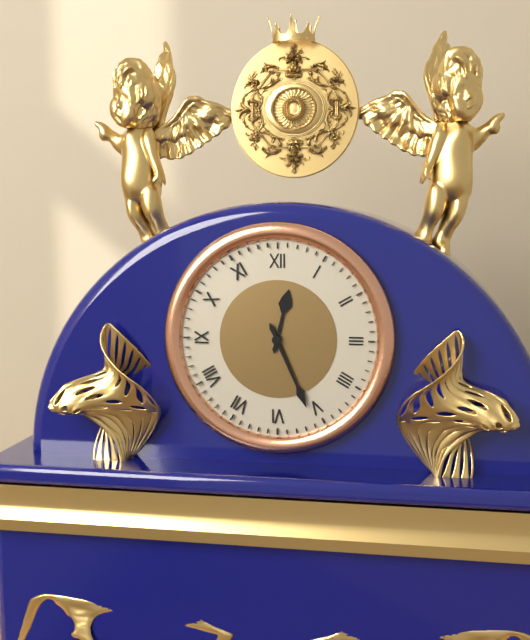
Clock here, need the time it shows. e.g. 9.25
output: 12.26
